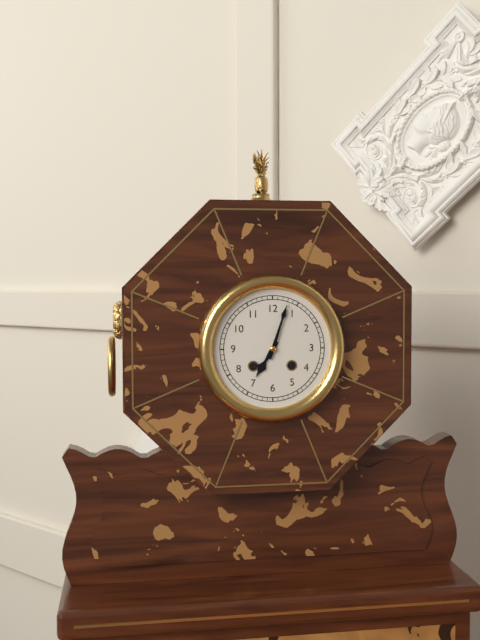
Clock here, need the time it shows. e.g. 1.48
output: 7.03
